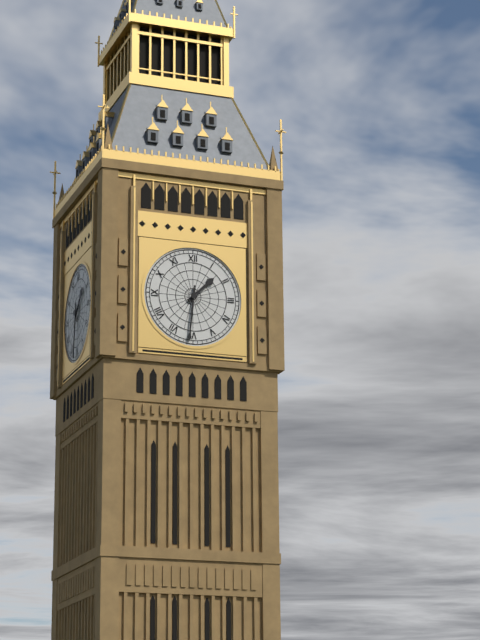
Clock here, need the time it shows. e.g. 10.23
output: 1.31
